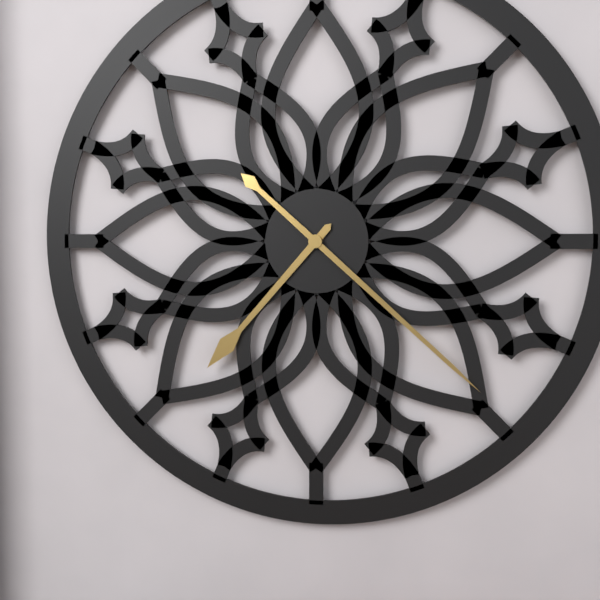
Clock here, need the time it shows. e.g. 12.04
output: 7.22
